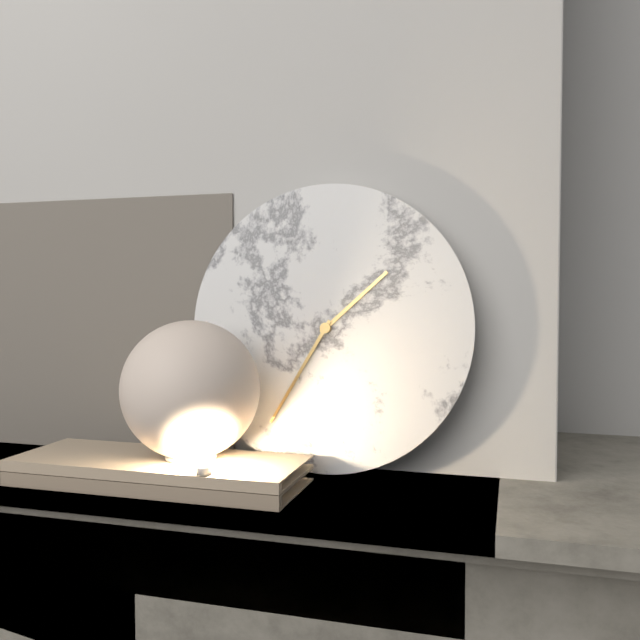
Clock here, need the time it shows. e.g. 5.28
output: 1.35
